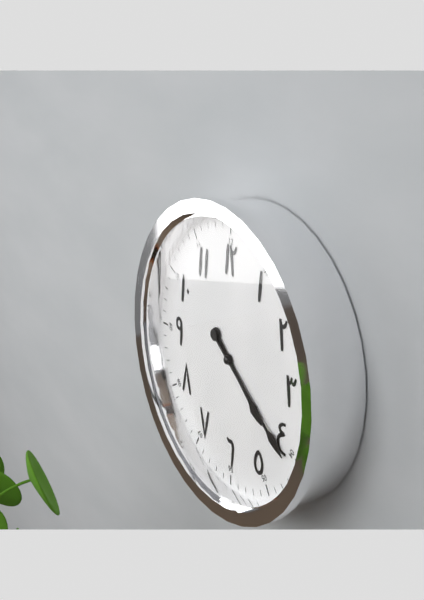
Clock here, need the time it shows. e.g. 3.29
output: 4.21
